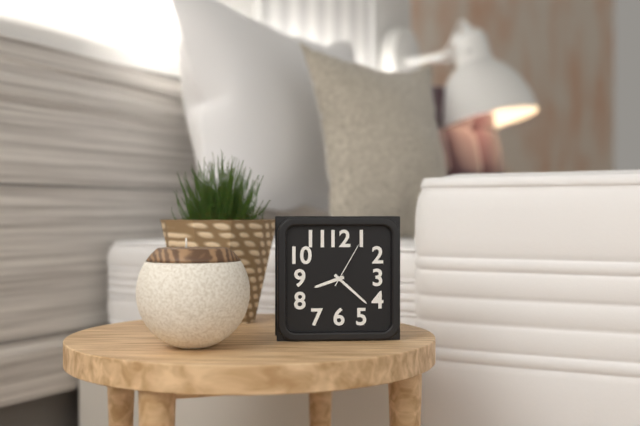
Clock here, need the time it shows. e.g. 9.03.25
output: 8.22.05
